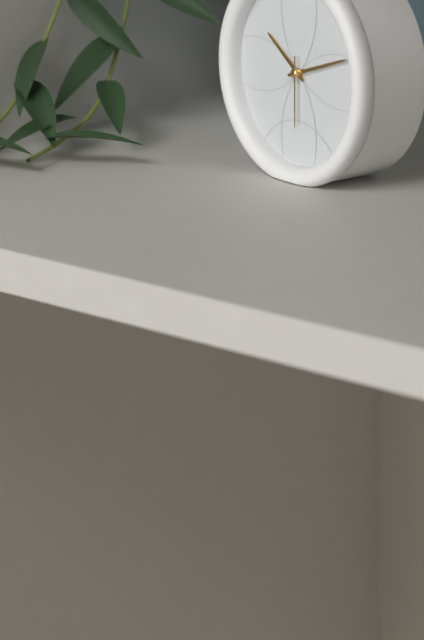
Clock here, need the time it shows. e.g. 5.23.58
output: 10.12.30
